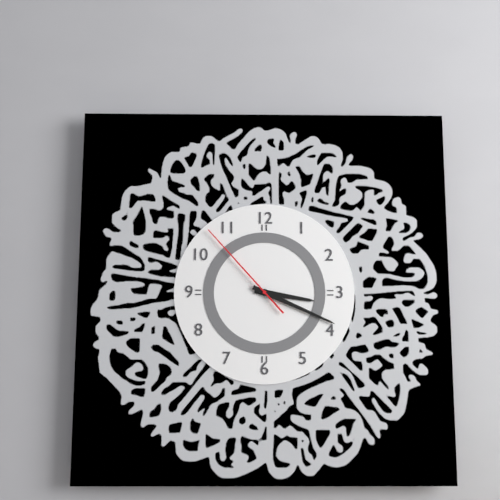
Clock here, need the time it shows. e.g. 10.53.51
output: 3.19.53
